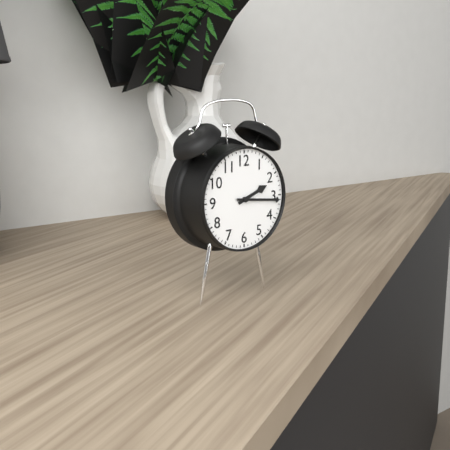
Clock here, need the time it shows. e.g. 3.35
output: 2.16
